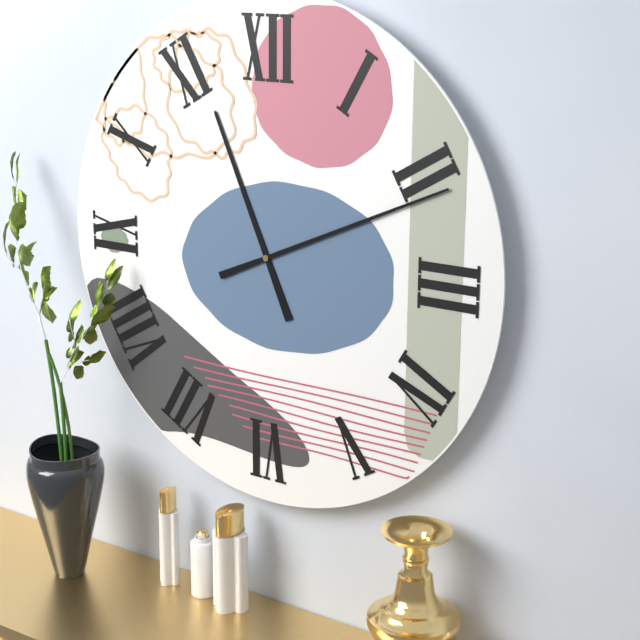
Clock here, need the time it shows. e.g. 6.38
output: 11.11
